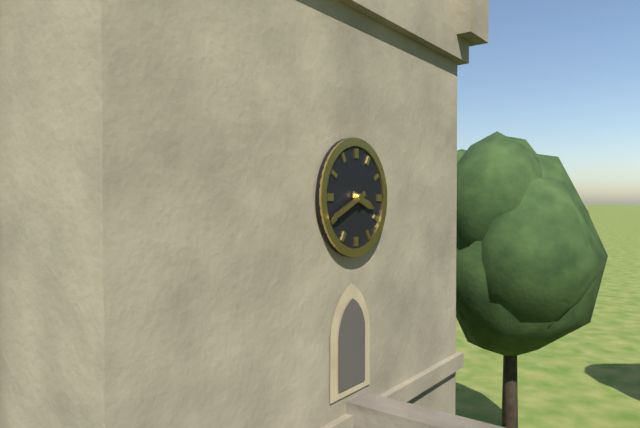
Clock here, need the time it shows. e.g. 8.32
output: 3.41
